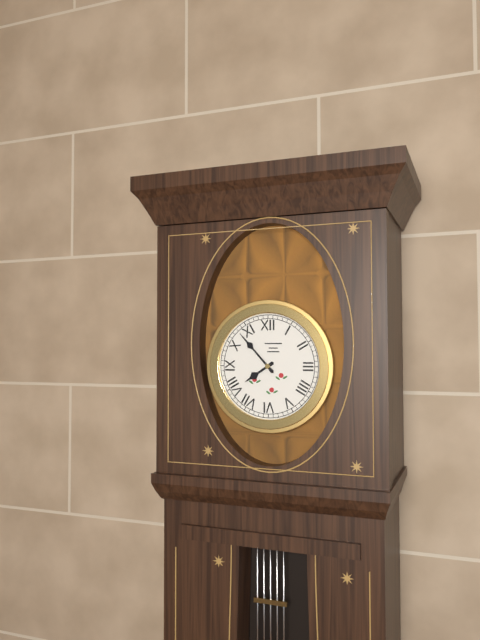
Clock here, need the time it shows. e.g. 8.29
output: 7.53
